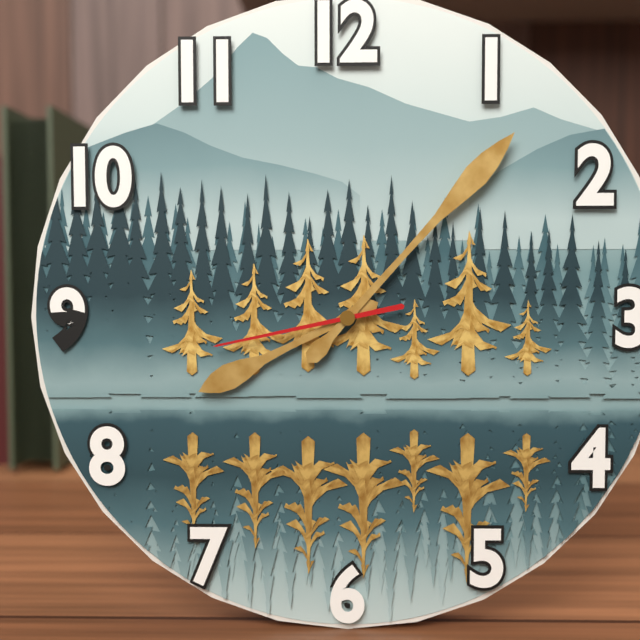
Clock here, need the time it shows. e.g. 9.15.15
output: 8.07.43
